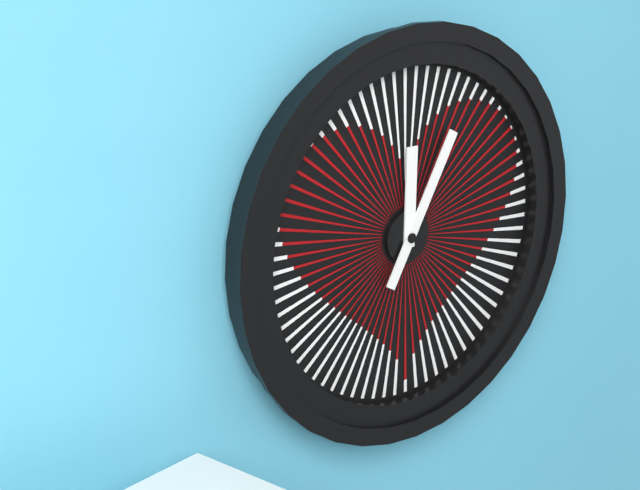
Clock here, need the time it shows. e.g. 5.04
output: 12.05
